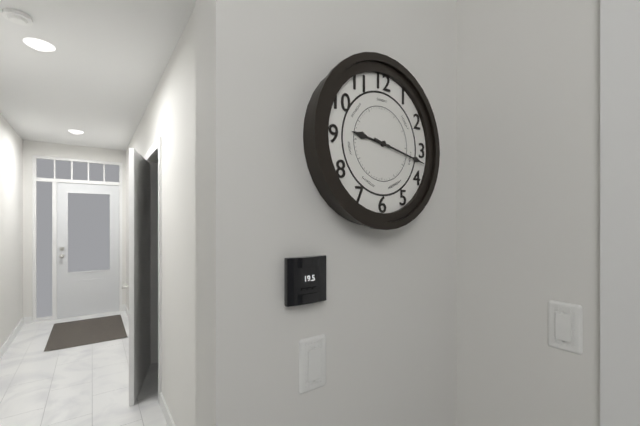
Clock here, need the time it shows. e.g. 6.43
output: 9.17
